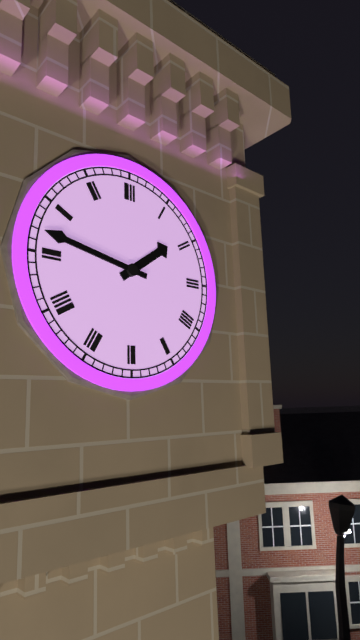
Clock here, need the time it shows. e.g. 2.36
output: 1.47
